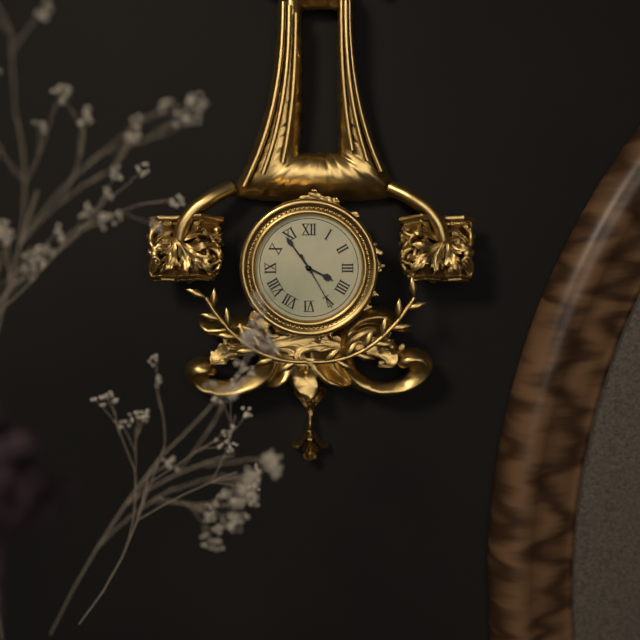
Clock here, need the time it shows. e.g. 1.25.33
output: 3.54.25
